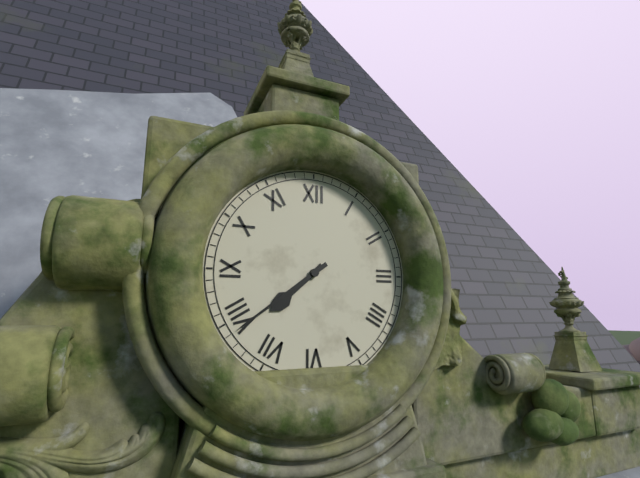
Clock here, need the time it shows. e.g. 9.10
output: 7.39
